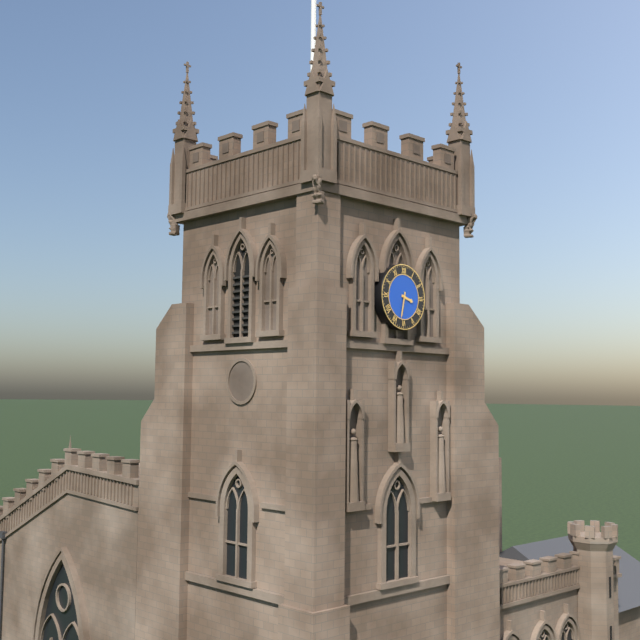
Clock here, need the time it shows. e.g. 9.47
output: 3.32
